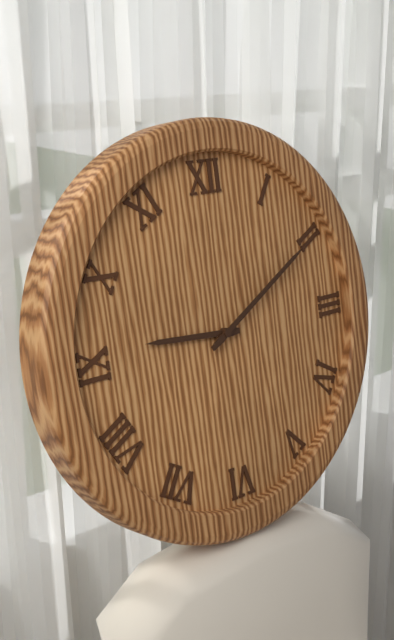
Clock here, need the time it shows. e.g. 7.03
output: 9.10
